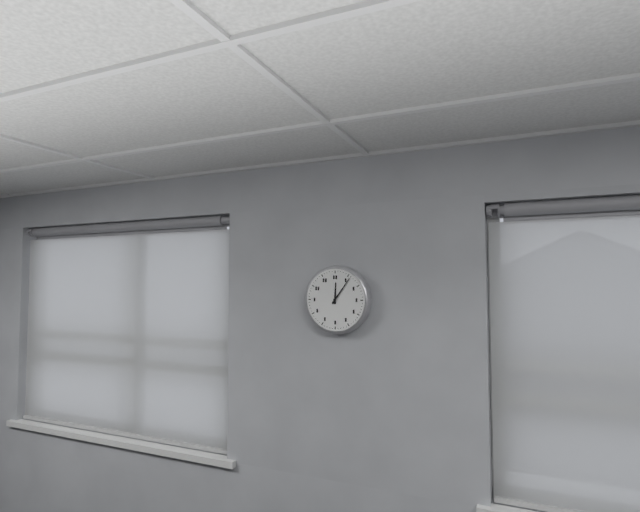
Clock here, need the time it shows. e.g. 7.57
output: 12.06
